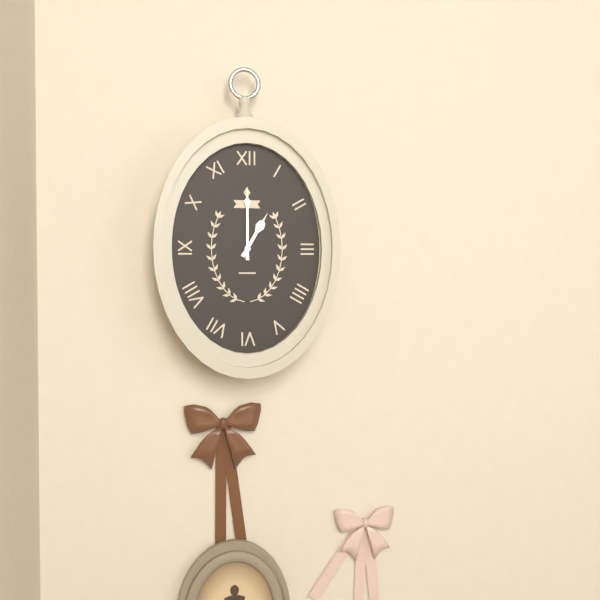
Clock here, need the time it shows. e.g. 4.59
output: 1.00
